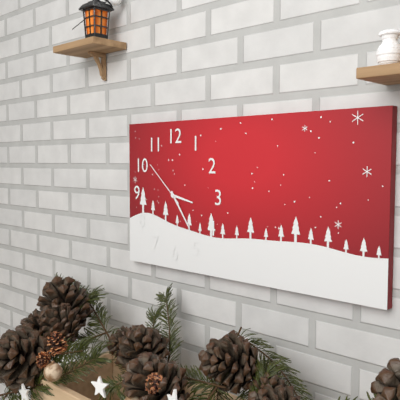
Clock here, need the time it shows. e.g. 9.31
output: 3.24
